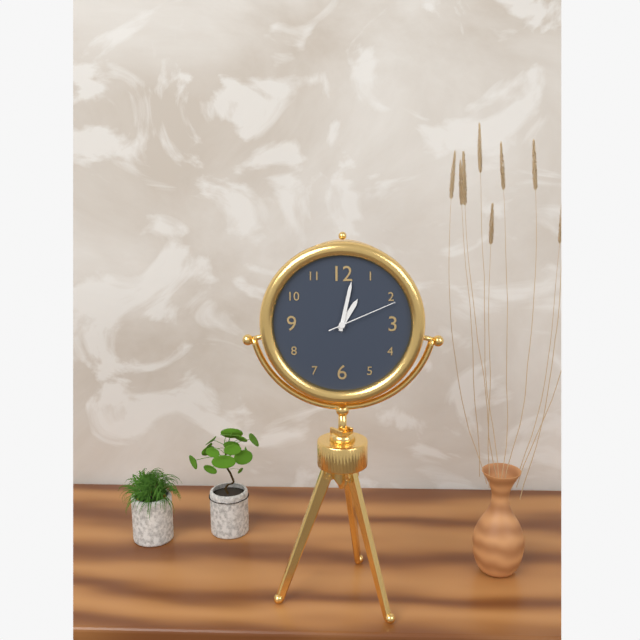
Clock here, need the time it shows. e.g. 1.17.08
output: 1.02.11
